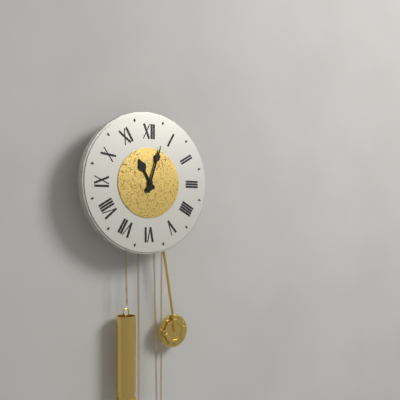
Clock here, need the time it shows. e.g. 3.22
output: 11.03
